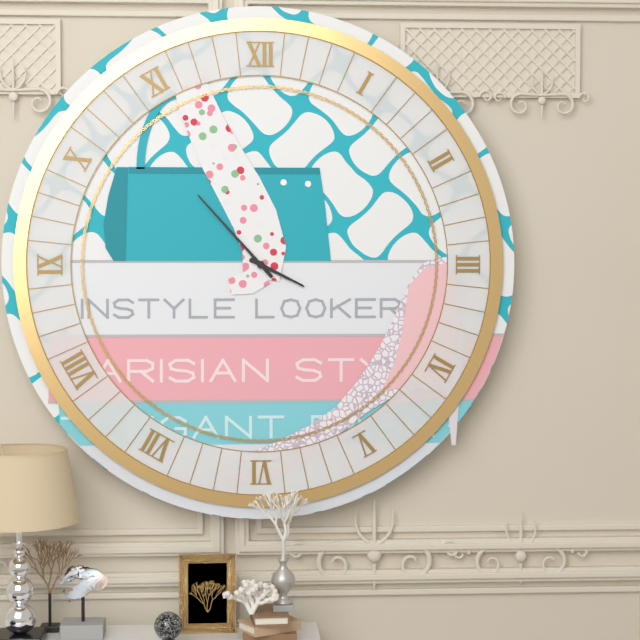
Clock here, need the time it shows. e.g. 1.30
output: 3.53
